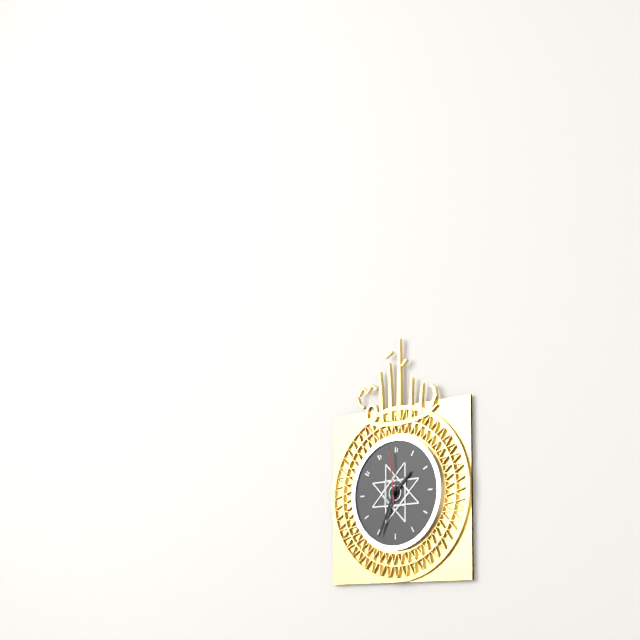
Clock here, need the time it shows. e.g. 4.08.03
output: 1.34.59
